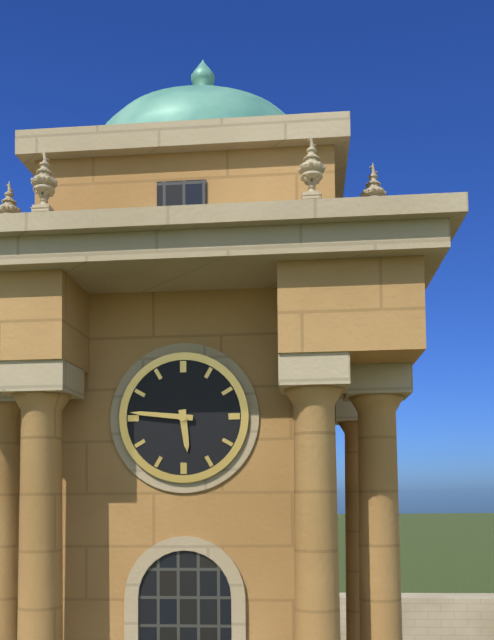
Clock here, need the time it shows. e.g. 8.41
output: 5.46
